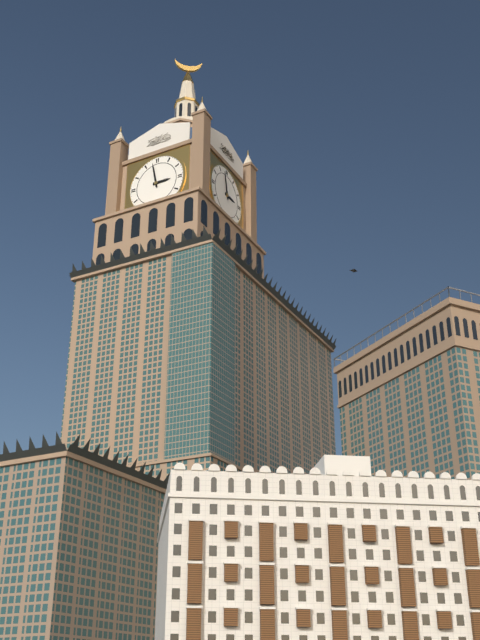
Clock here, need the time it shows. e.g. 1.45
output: 2.58
